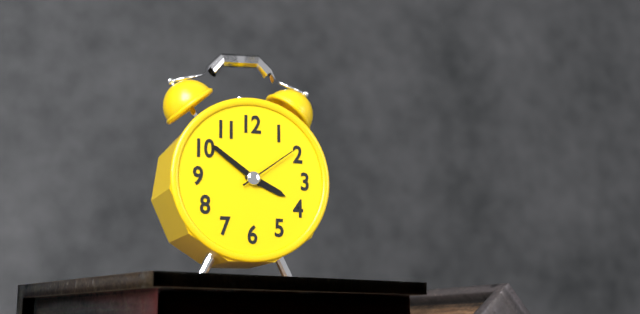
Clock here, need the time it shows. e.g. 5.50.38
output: 3.51.09
